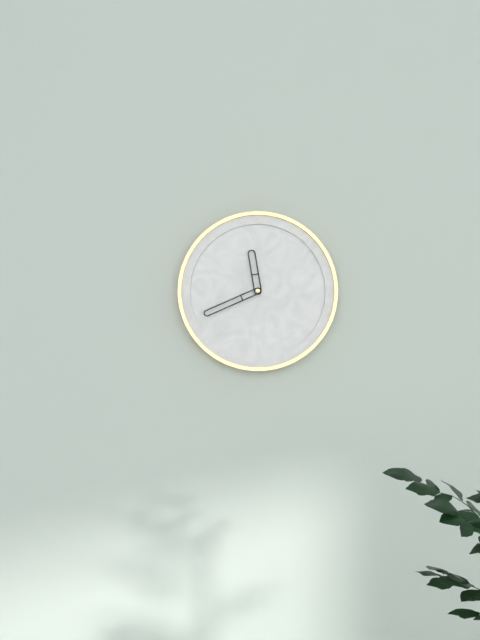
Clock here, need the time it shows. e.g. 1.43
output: 11.41
